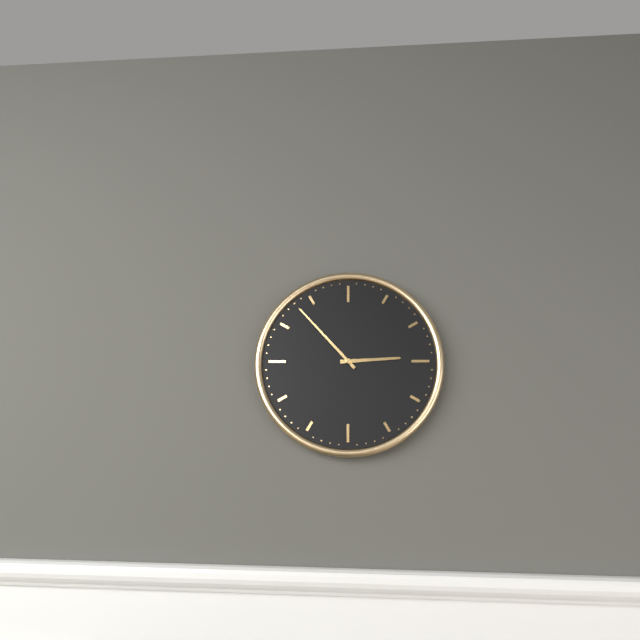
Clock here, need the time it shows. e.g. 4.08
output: 2.53
